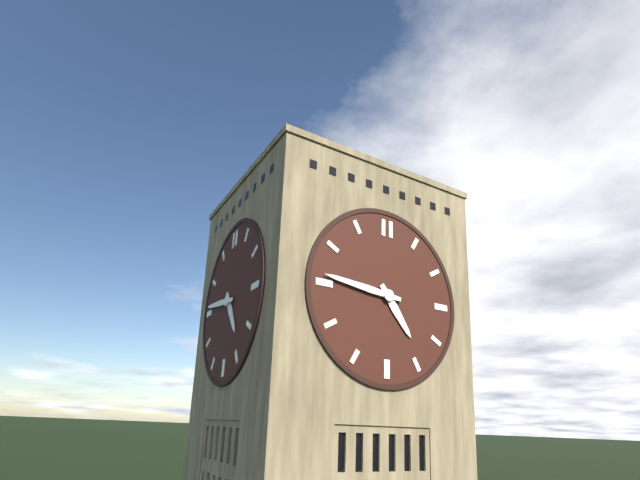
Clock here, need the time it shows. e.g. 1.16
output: 4.46
